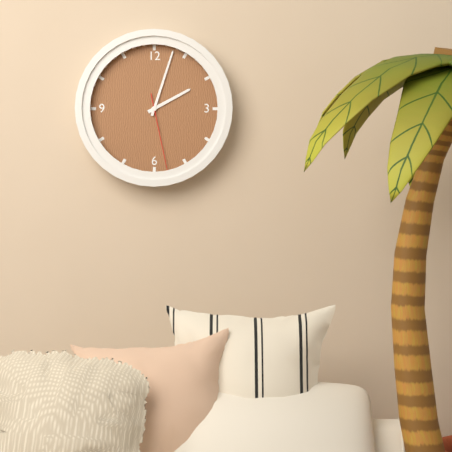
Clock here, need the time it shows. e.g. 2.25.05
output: 2.03.28
